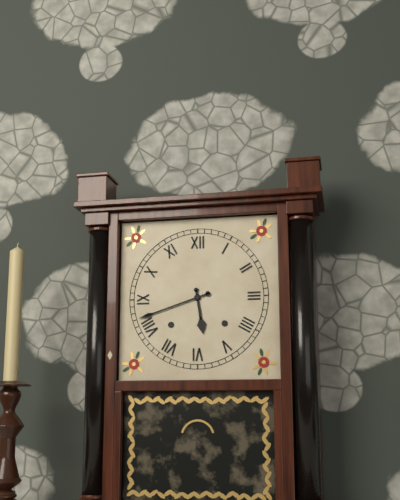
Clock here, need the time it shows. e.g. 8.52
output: 5.42
